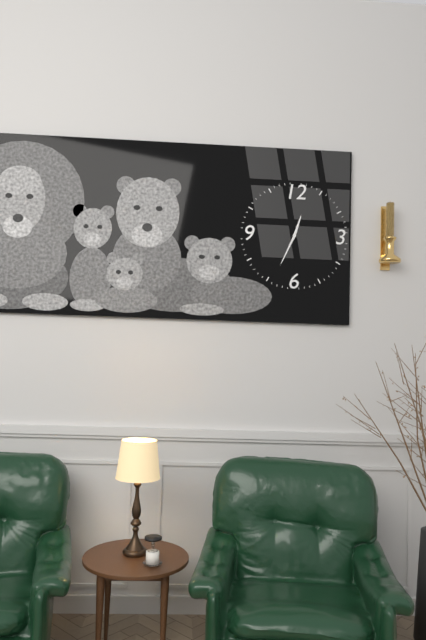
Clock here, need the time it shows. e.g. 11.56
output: 12.34
